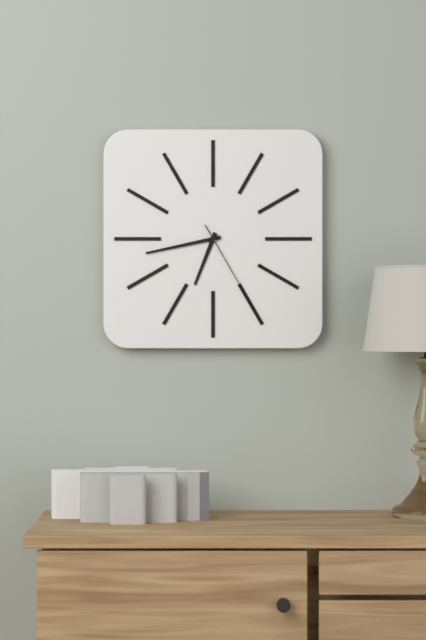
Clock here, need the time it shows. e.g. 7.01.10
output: 6.43.25
